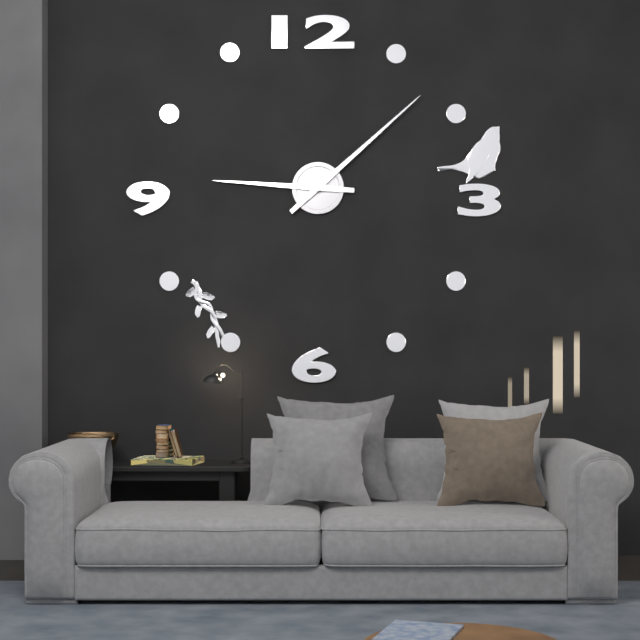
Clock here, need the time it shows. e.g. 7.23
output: 9.08
